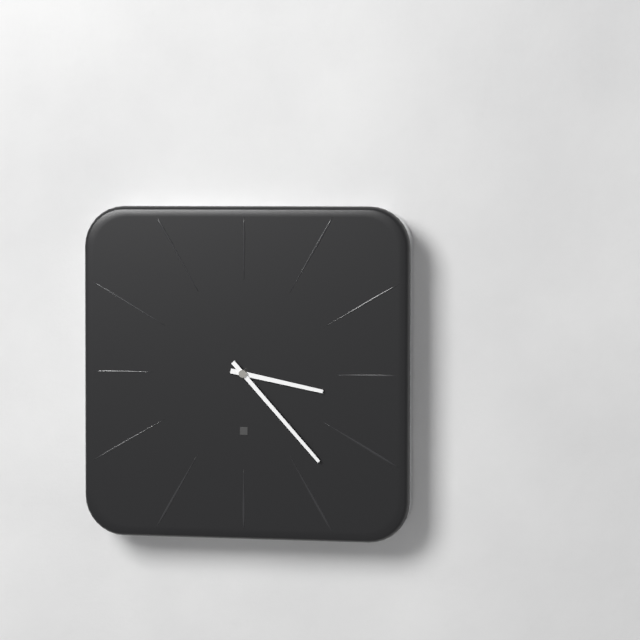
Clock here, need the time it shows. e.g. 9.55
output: 3.23
